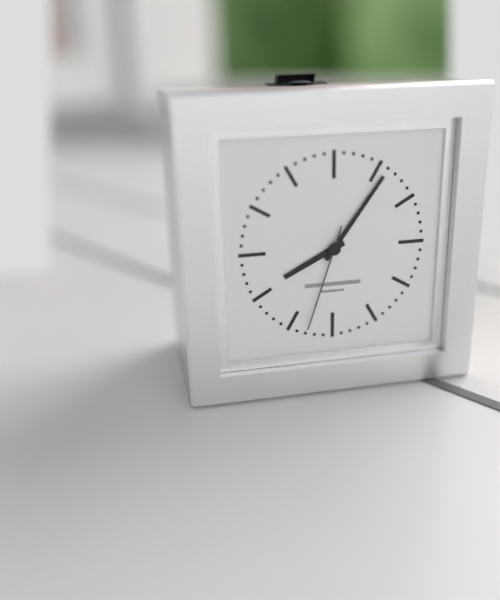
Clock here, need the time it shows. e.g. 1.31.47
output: 8.06.33
